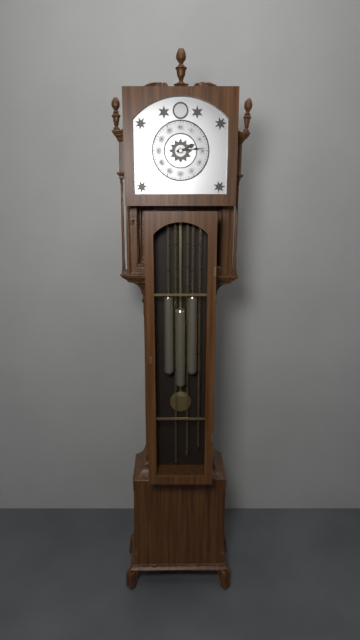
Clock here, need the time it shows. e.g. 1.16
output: 2.14
